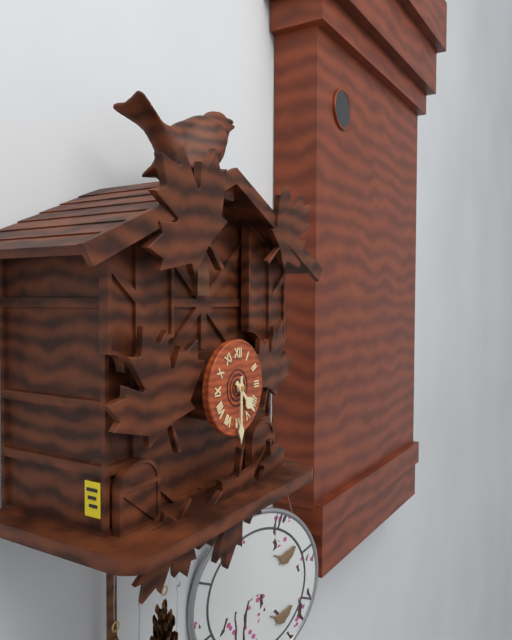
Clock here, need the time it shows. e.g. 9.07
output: 4.30
